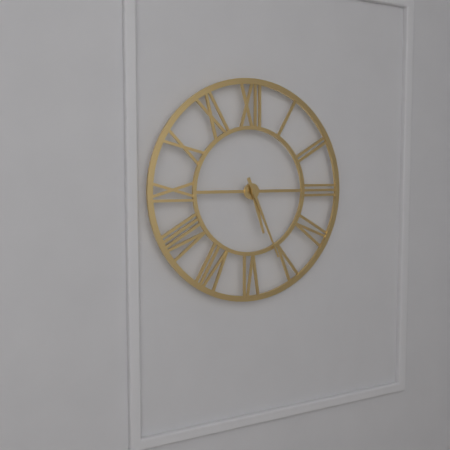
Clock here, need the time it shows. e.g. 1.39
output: 5.26
